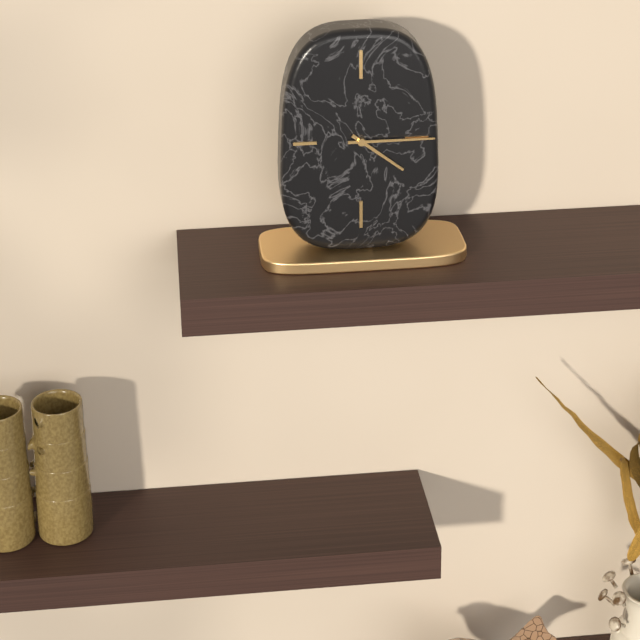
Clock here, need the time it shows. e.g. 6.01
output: 4.15
